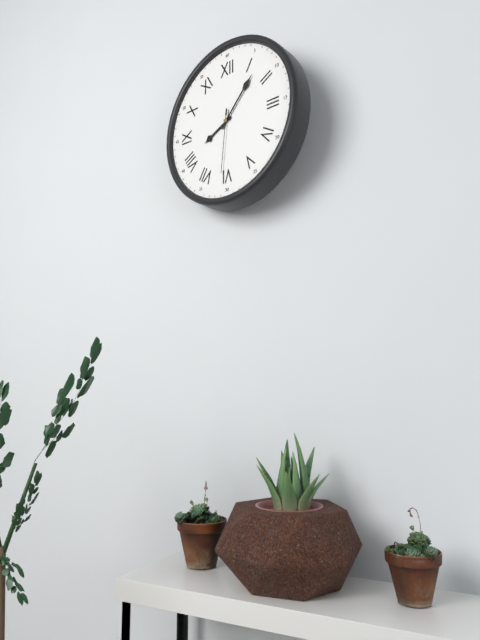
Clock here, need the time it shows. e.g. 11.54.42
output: 8.07.31
